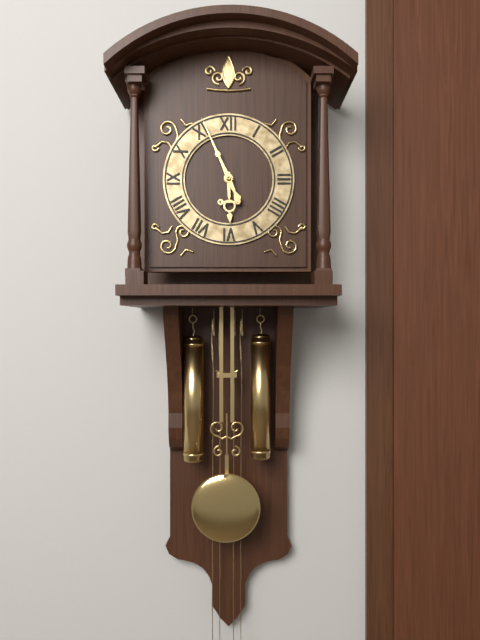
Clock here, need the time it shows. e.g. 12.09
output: 5.56
